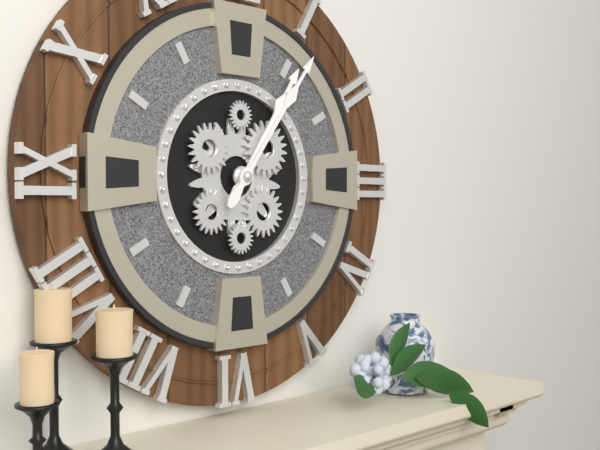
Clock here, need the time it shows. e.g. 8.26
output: 1.06
